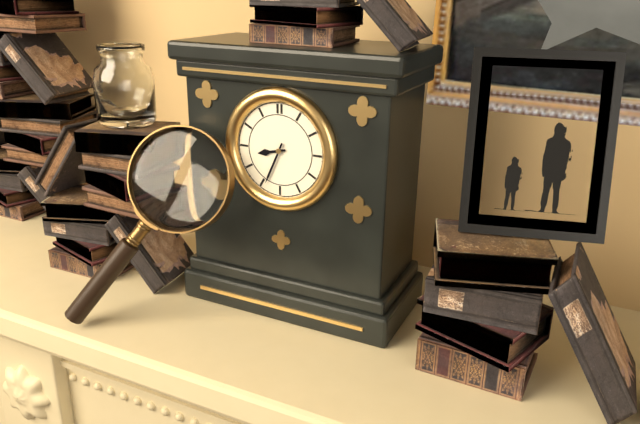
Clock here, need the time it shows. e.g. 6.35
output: 8.34
